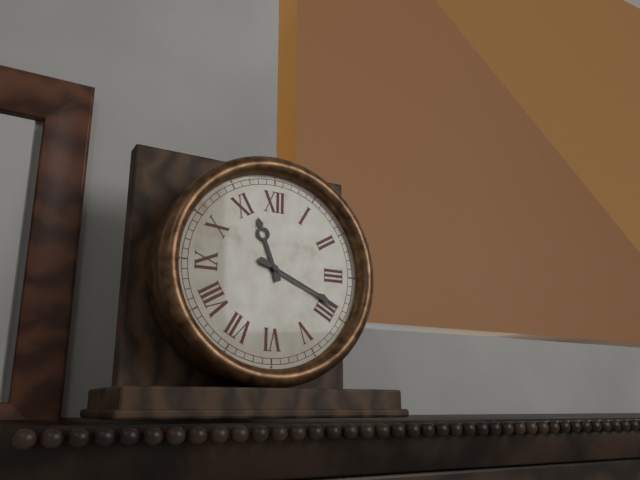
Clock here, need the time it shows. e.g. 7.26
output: 11.19
